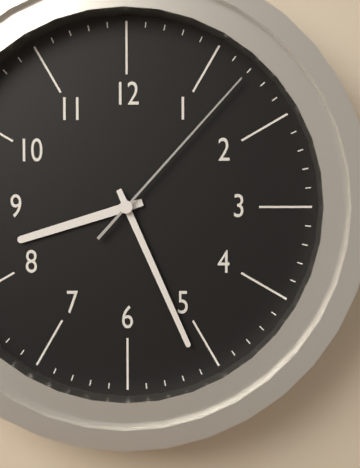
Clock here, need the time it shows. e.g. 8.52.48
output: 8.26.07
